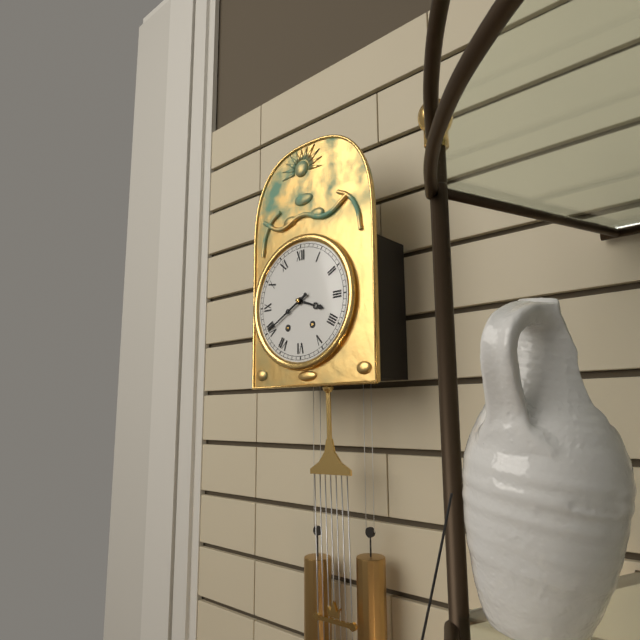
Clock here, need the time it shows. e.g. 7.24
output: 3.40
